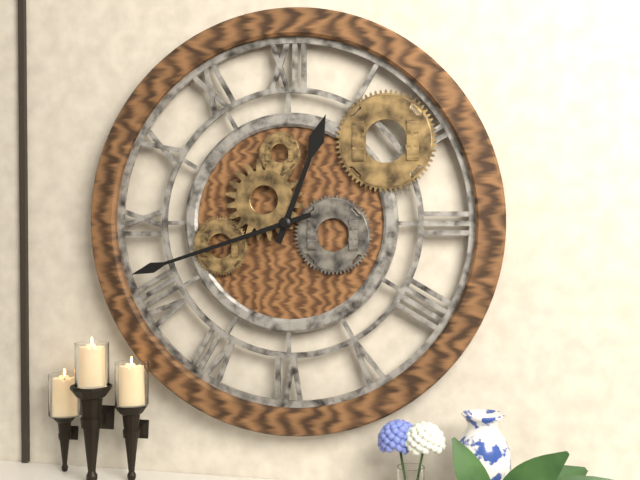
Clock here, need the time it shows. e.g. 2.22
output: 12.42
